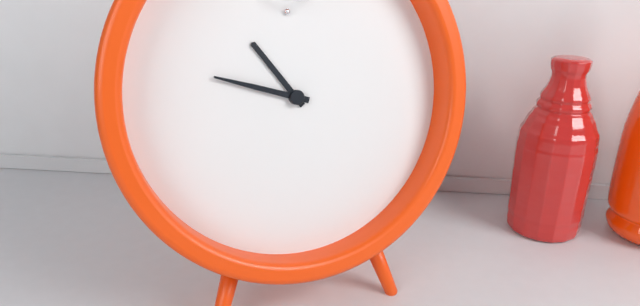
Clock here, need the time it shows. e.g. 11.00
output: 10.48
